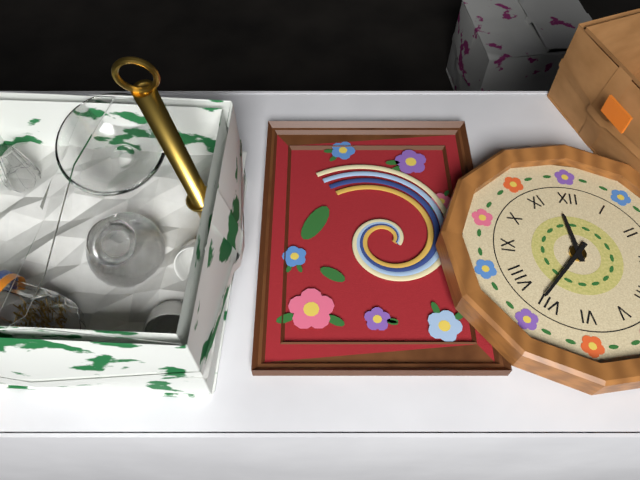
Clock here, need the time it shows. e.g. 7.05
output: 11.36
